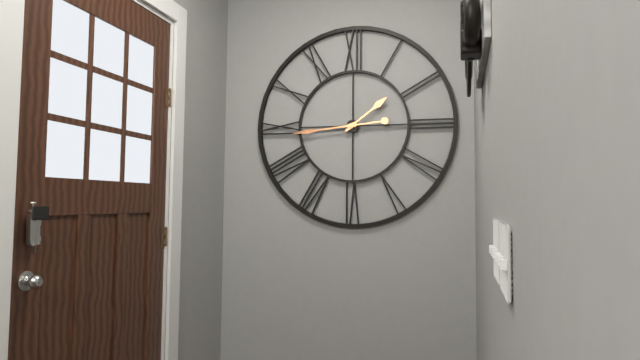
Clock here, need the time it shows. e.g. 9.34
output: 1.44
